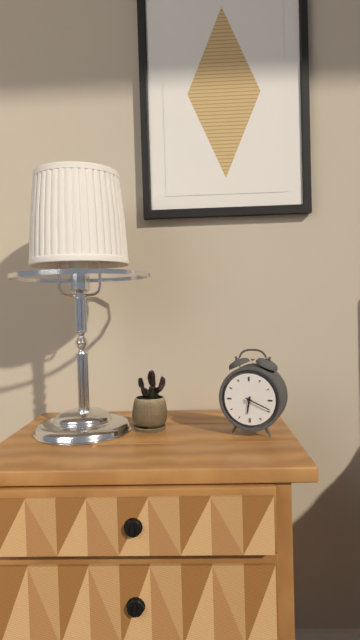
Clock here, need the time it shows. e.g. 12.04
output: 6.19
